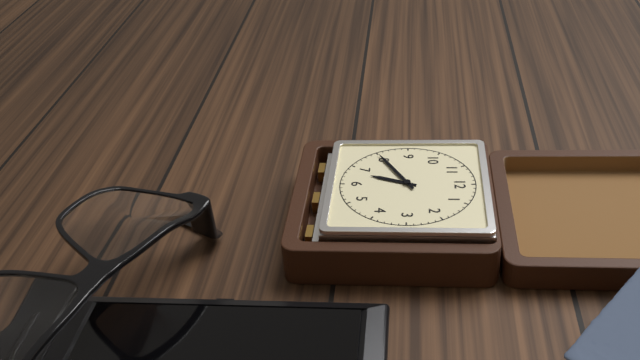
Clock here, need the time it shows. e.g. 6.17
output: 6.40
